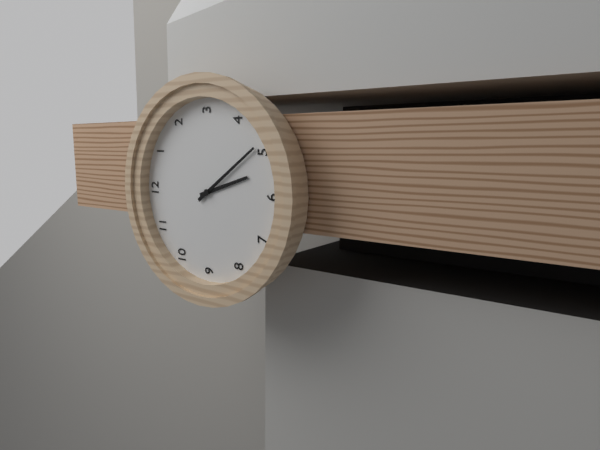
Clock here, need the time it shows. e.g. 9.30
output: 5.24
